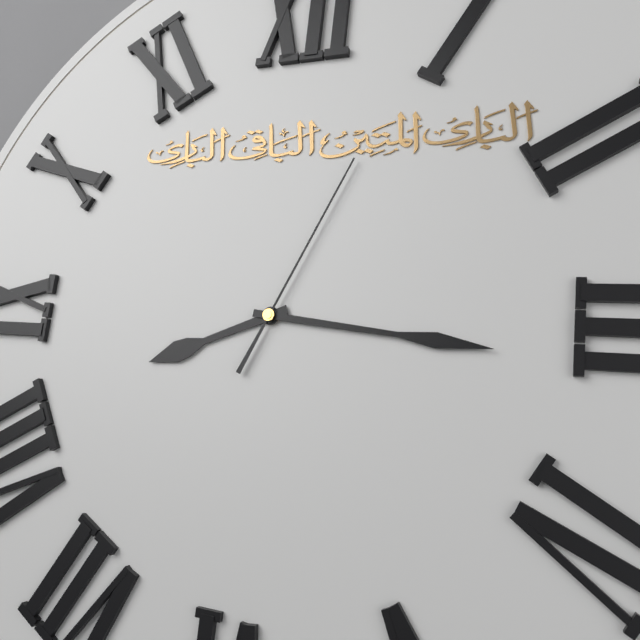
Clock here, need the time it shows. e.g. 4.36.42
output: 8.16.04
